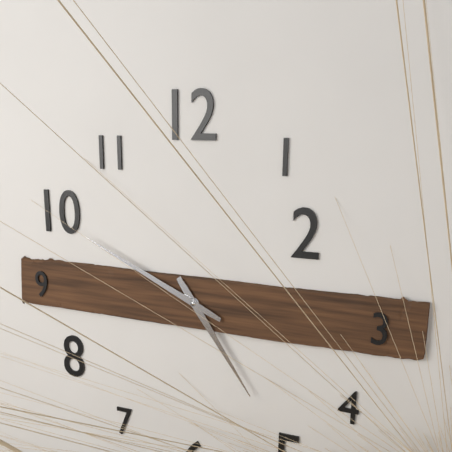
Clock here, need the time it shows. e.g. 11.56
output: 4.49
